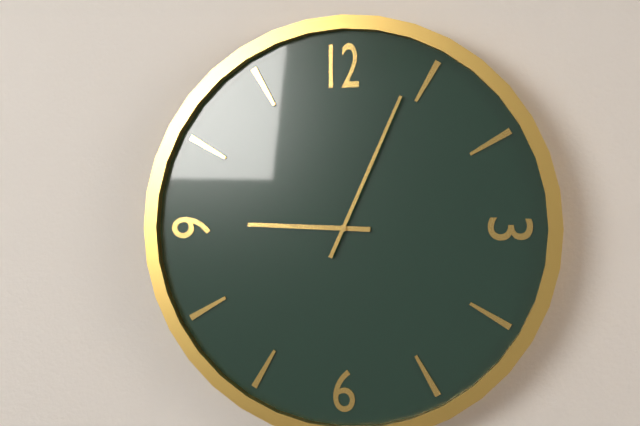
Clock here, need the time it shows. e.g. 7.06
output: 9.04
